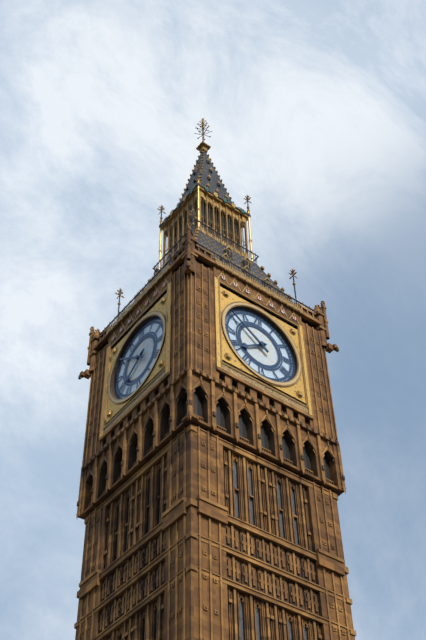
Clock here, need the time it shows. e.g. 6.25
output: 7.51
